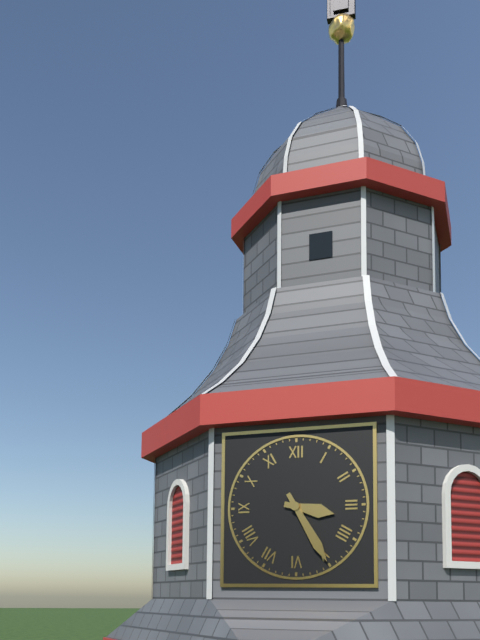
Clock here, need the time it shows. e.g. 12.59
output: 3.25
